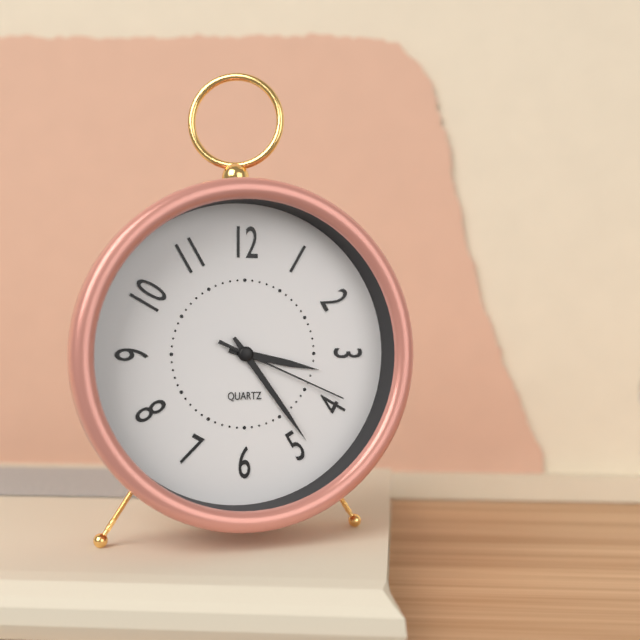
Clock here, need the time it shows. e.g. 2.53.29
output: 3.24.19
